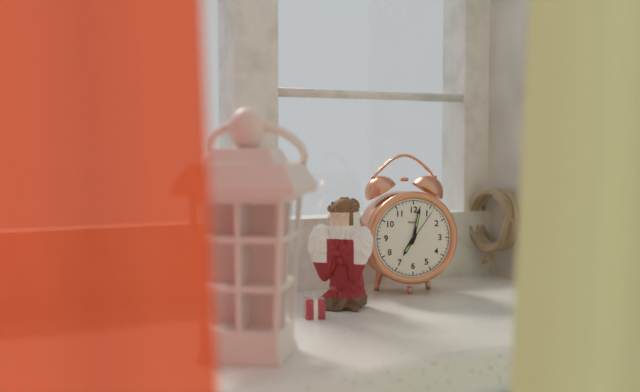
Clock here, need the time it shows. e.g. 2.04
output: 7.02
